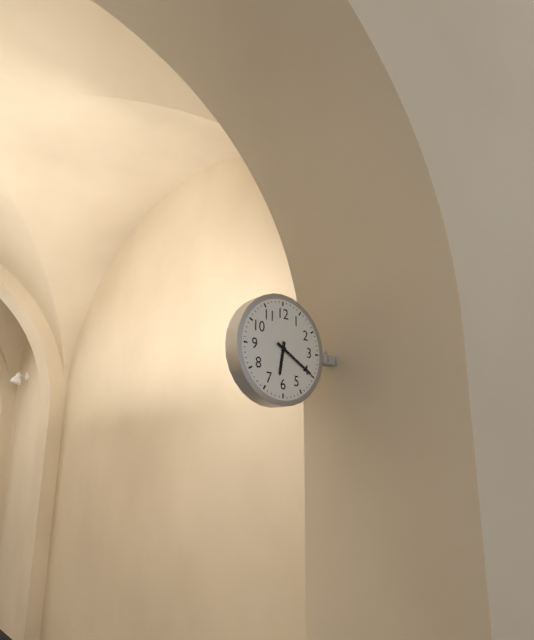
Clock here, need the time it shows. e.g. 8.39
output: 6.20
